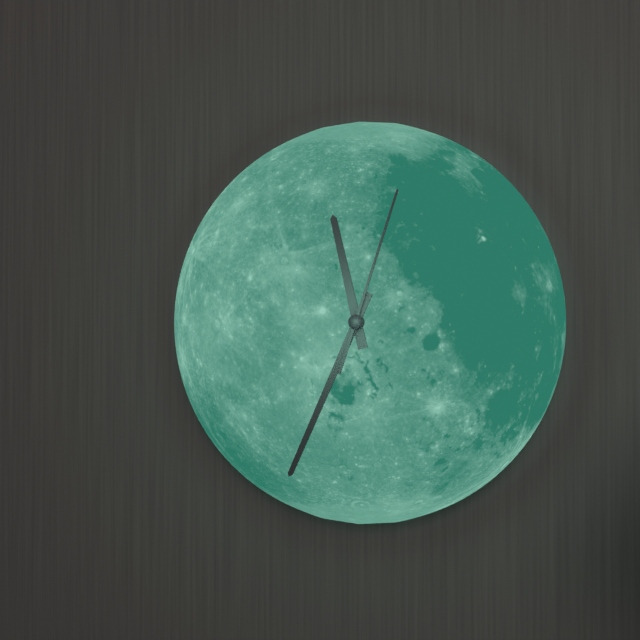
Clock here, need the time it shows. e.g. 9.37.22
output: 11.34.03
